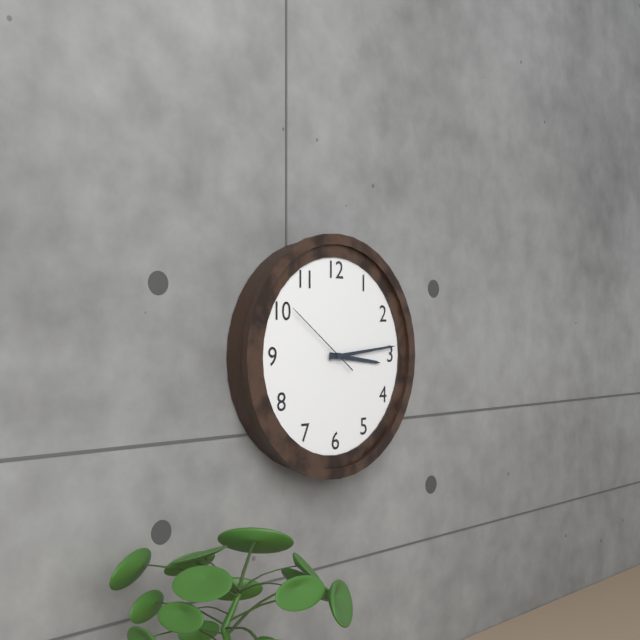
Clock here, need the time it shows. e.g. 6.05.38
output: 3.14.51
